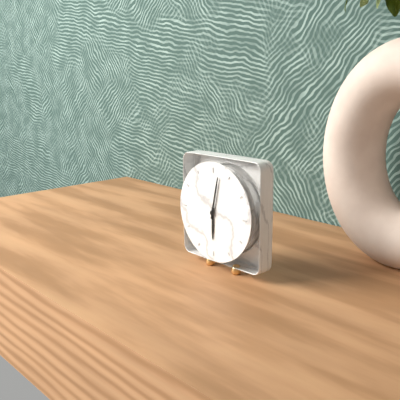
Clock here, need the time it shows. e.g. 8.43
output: 6.02
